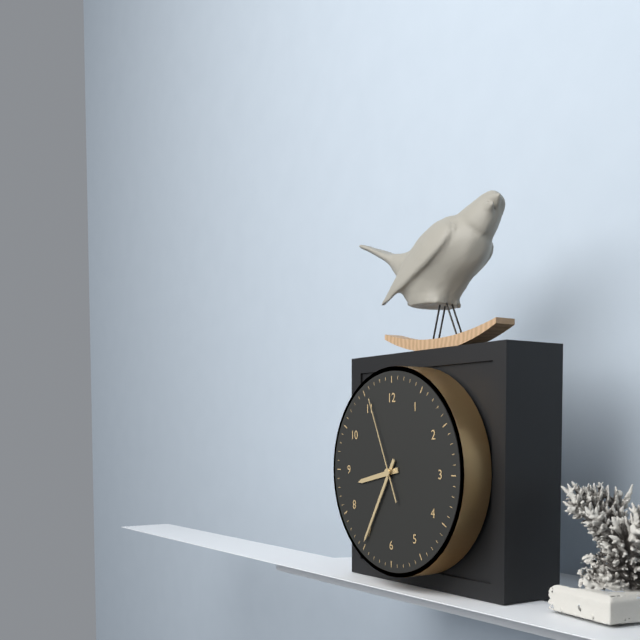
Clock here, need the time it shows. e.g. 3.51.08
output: 8.35.56
